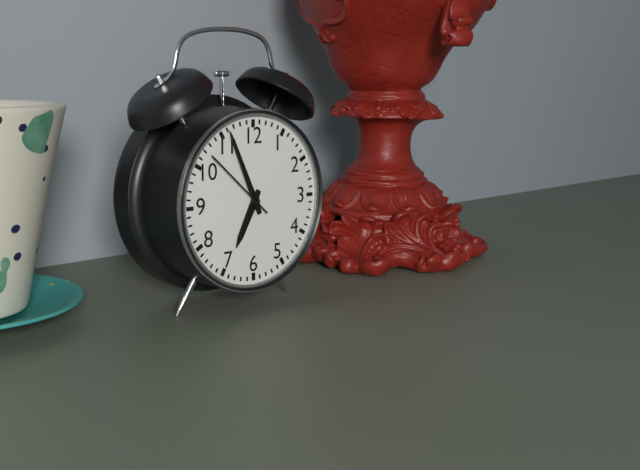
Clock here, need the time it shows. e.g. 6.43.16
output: 6.56.52
